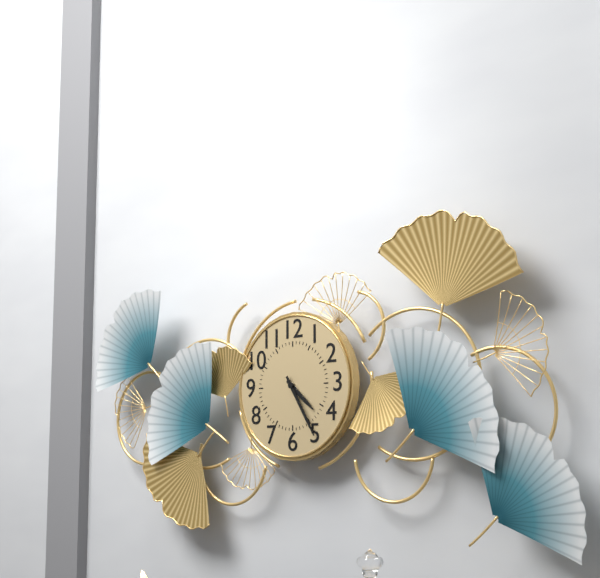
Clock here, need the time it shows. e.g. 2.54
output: 4.25
